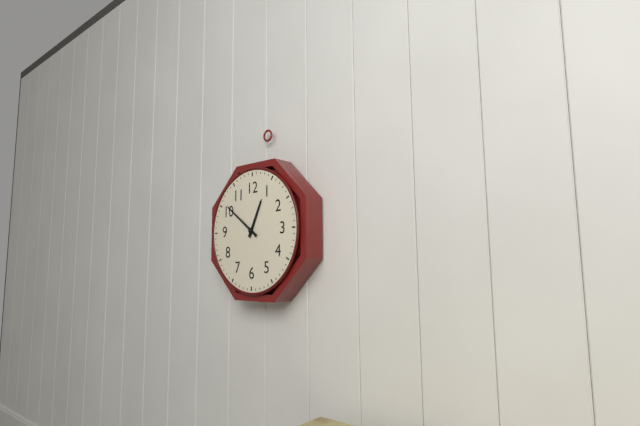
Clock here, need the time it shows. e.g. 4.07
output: 12.51
